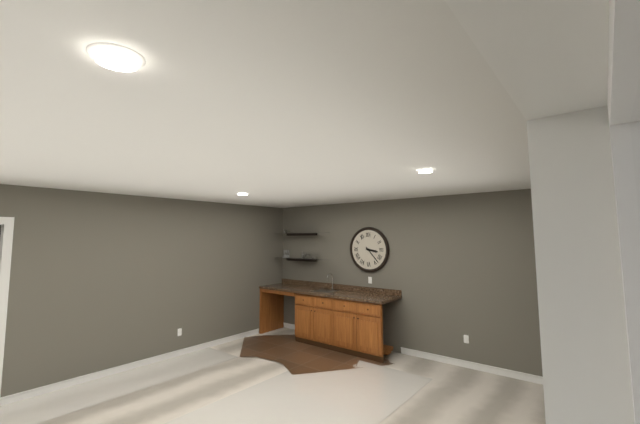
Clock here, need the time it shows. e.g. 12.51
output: 3.23
